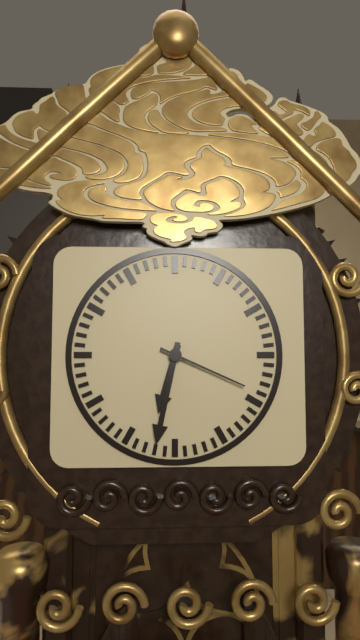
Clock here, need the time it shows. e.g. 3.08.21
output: 6.32.19
